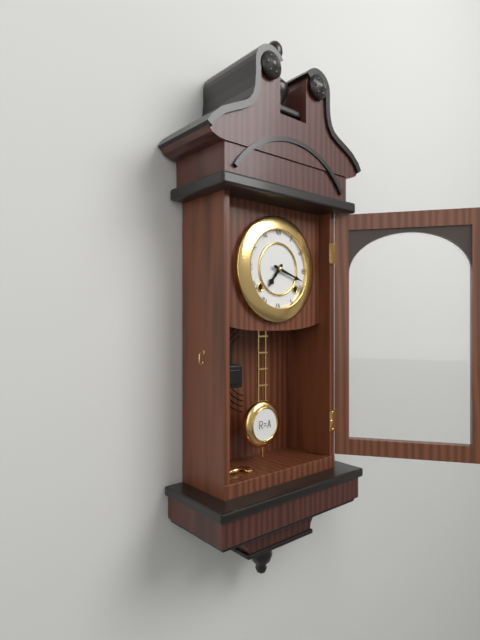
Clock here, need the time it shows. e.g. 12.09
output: 7.18
